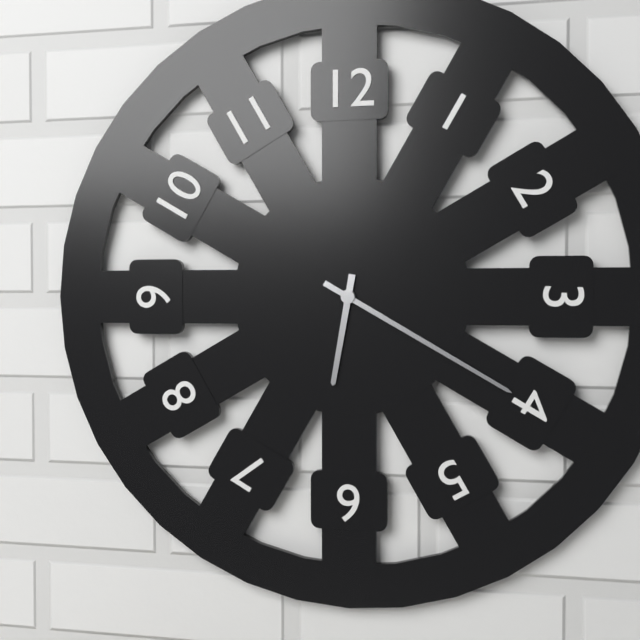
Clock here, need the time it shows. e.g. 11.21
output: 6.20
